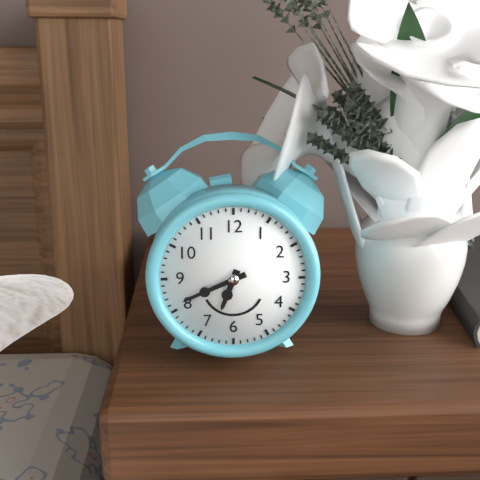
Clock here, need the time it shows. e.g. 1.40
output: 6.41
